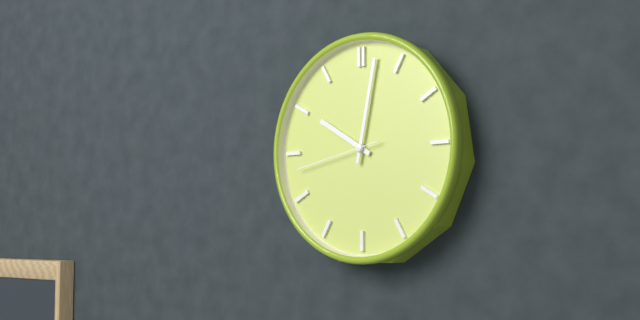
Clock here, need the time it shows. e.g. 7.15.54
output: 10.02.43
